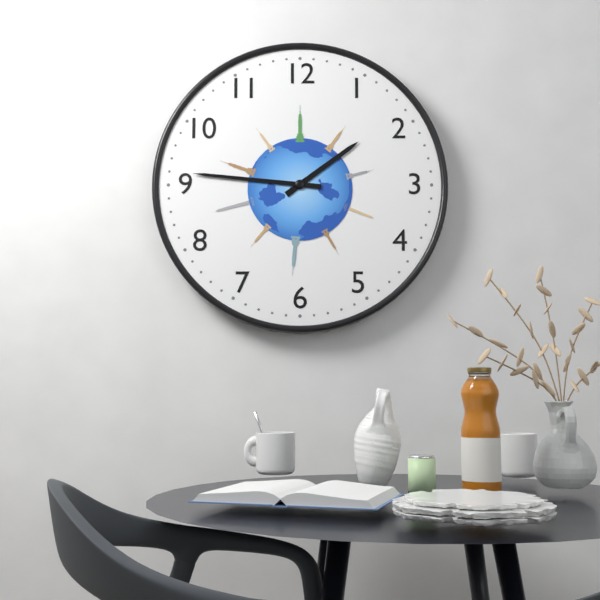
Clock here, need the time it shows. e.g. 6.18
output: 1.46
